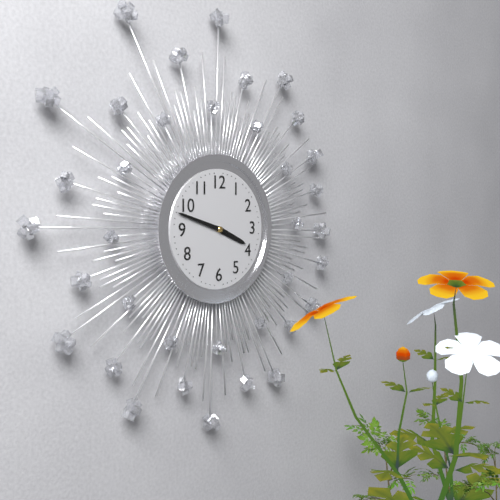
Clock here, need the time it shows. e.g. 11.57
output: 3.48
